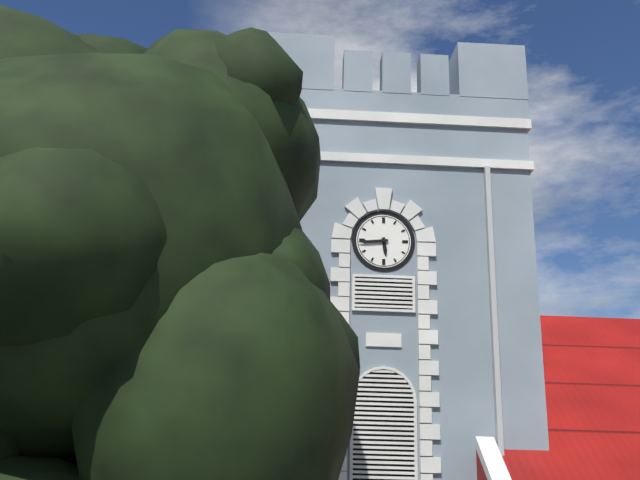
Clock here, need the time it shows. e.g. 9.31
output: 5.44
